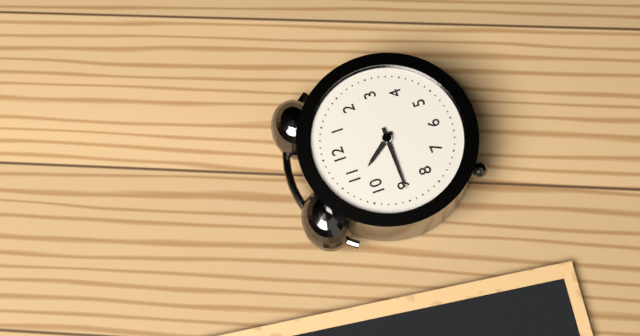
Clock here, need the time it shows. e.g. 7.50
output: 10.45
